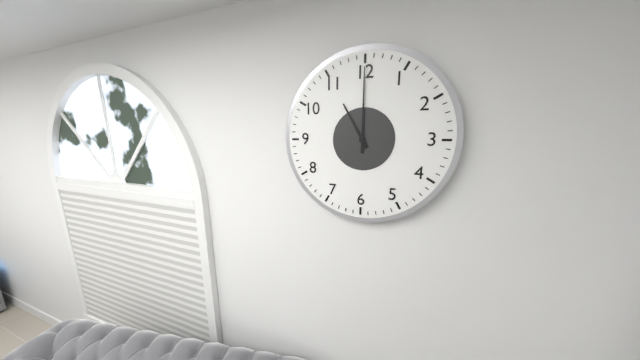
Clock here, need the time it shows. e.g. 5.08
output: 11.00
